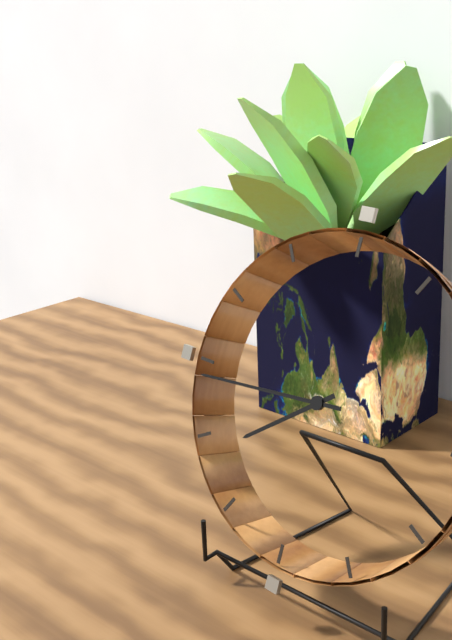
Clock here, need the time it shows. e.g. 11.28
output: 7.44
